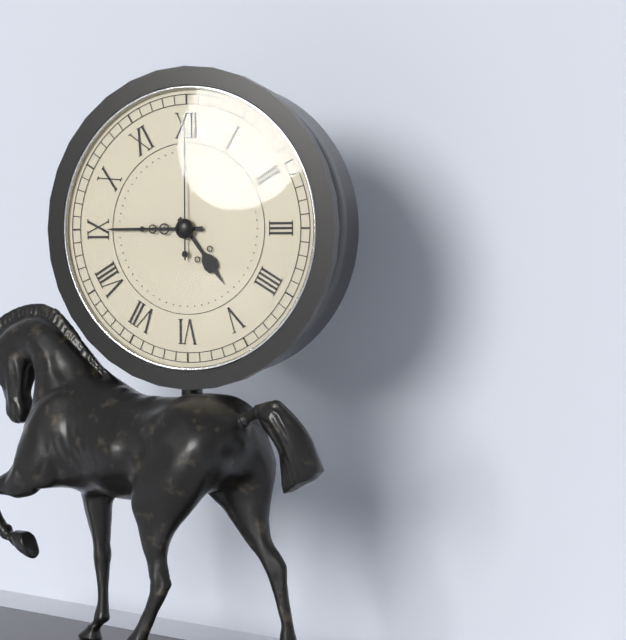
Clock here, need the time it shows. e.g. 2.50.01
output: 4.45.00
